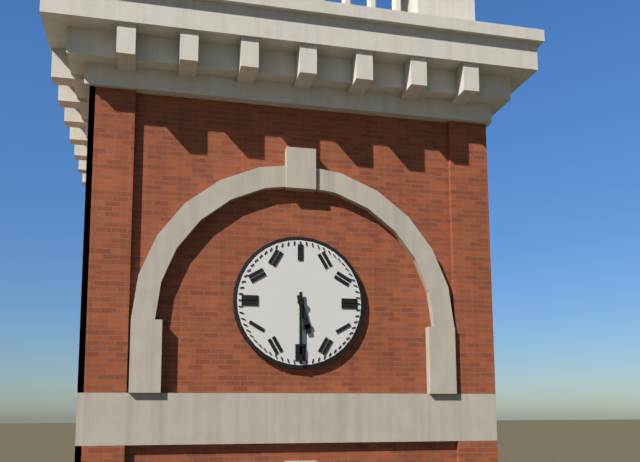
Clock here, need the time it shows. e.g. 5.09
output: 5.30
